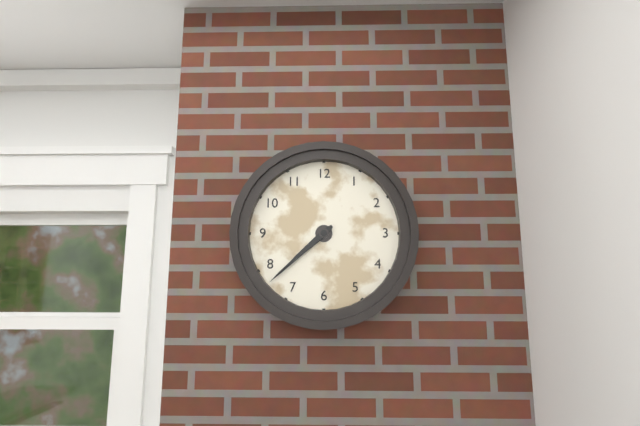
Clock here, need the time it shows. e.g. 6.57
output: 7.38
